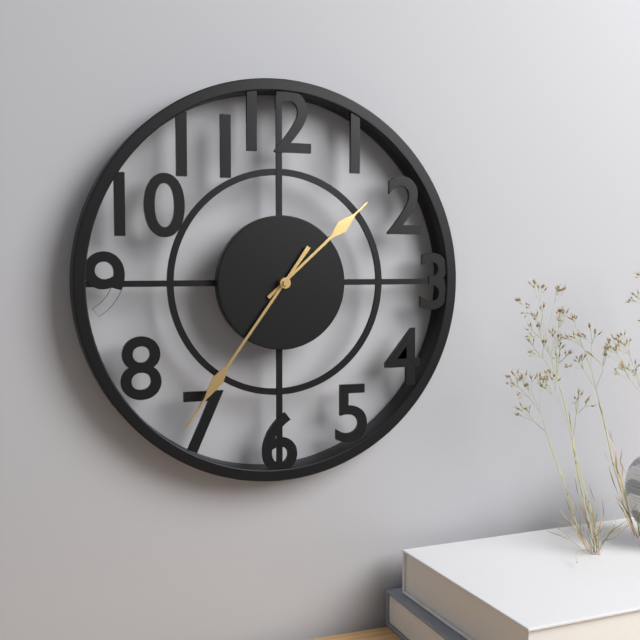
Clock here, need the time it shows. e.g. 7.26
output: 1.36
